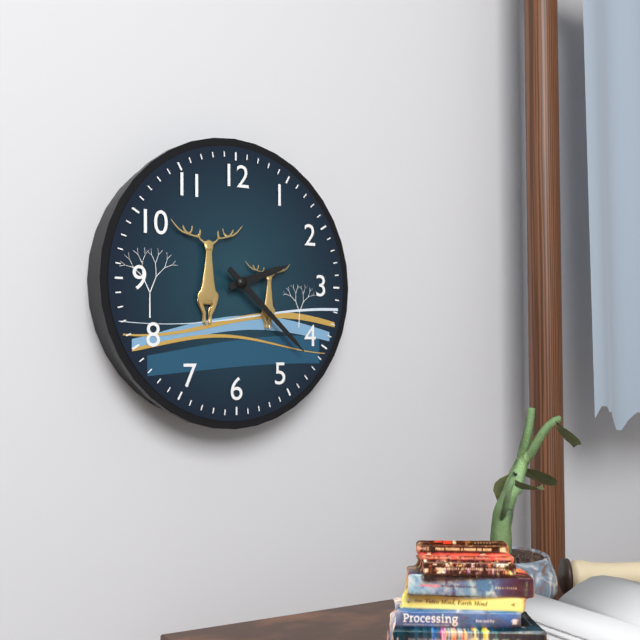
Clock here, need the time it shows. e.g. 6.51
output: 2.22
